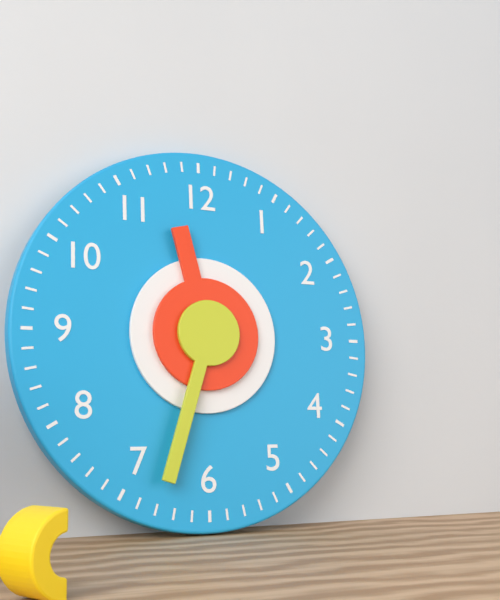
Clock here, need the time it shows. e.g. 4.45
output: 11.33
